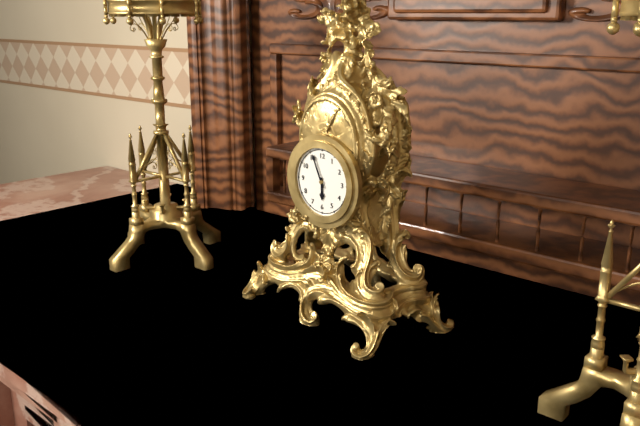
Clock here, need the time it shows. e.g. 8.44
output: 5.56
